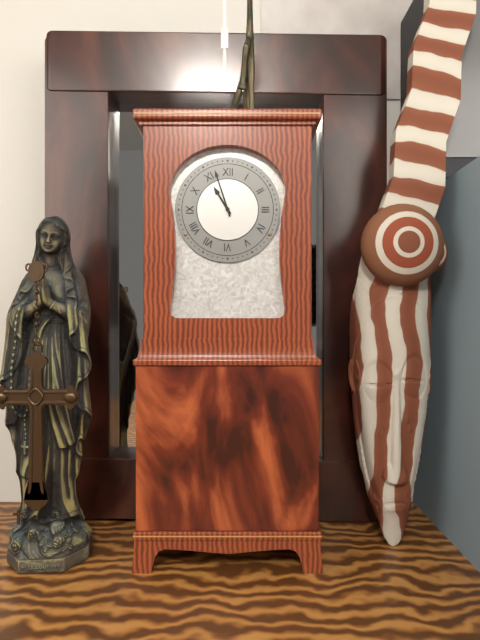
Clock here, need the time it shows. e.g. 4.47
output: 10.57
